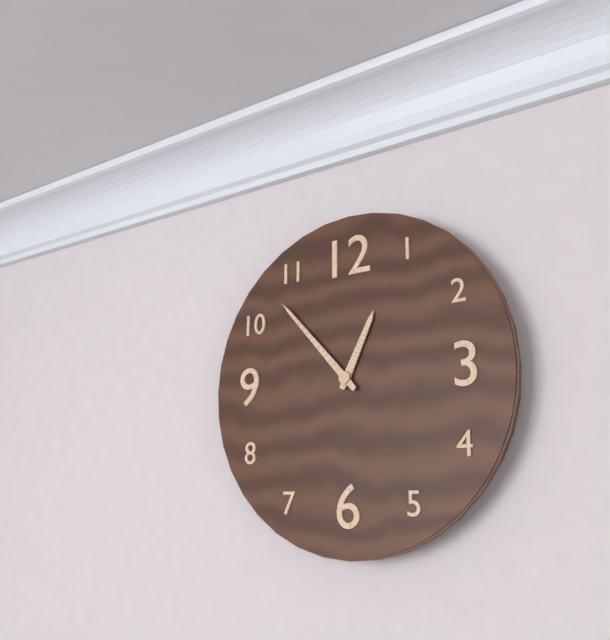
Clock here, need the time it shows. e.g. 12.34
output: 12.53
